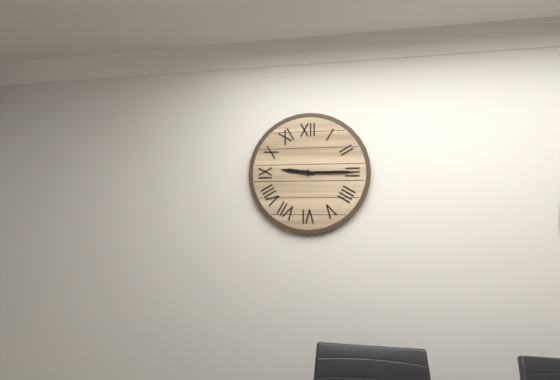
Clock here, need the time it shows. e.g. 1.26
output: 9.15
